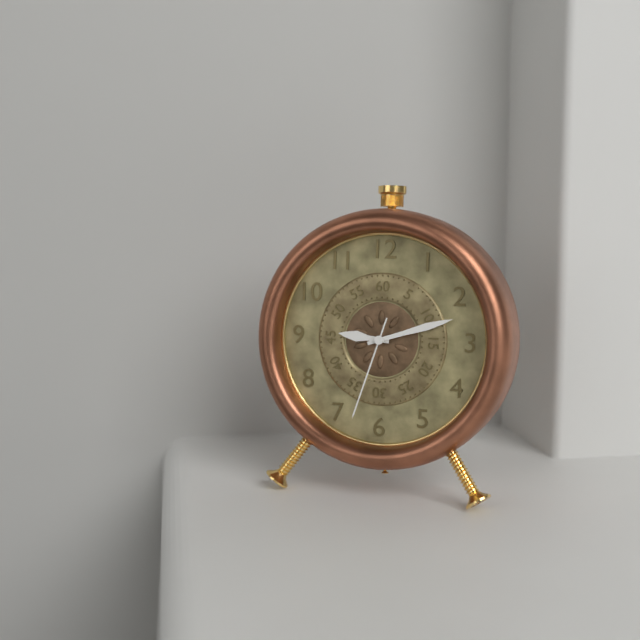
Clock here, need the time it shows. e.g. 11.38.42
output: 9.12.33
